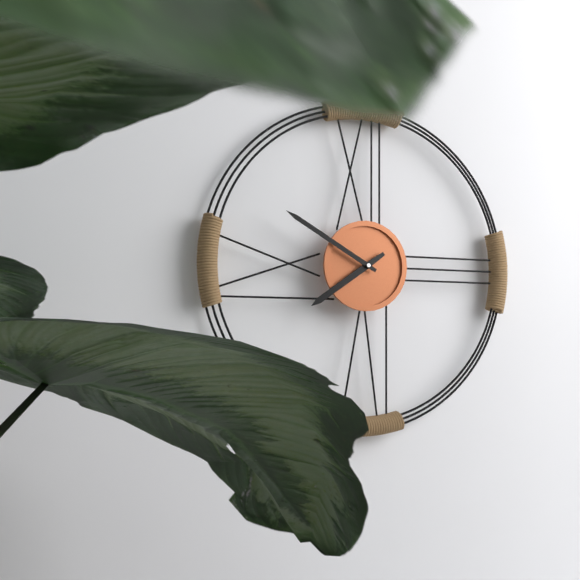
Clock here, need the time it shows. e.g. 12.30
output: 7.50
